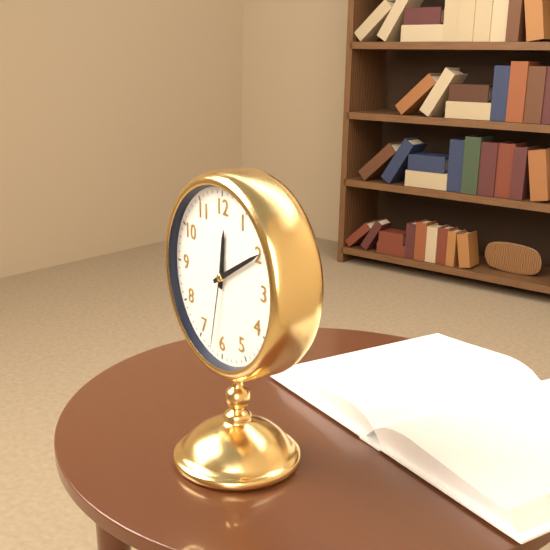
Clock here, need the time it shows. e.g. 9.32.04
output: 12.10.32
